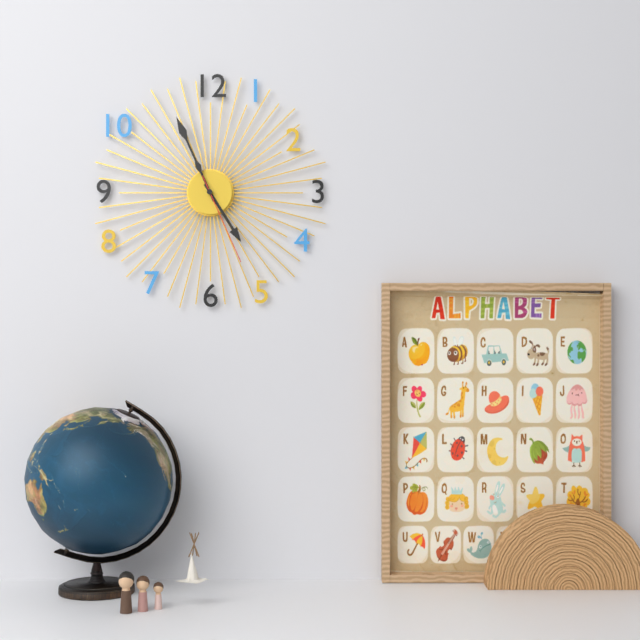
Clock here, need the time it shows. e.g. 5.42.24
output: 4.56.26
